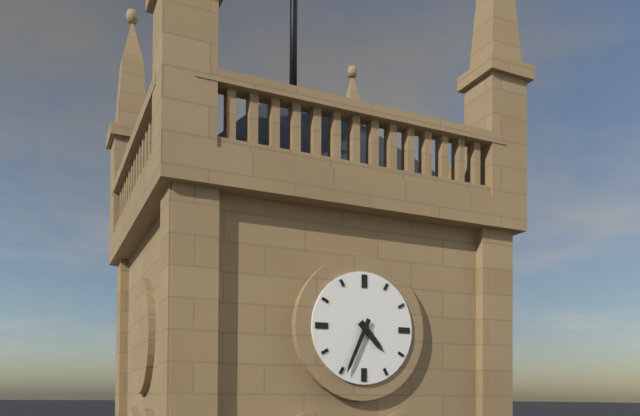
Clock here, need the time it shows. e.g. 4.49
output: 4.34
